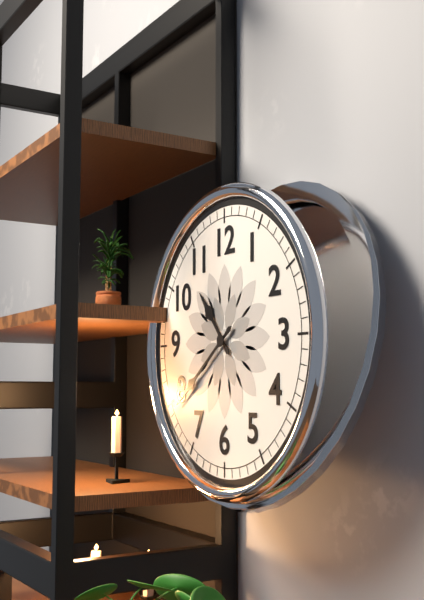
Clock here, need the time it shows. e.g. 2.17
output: 10.39
